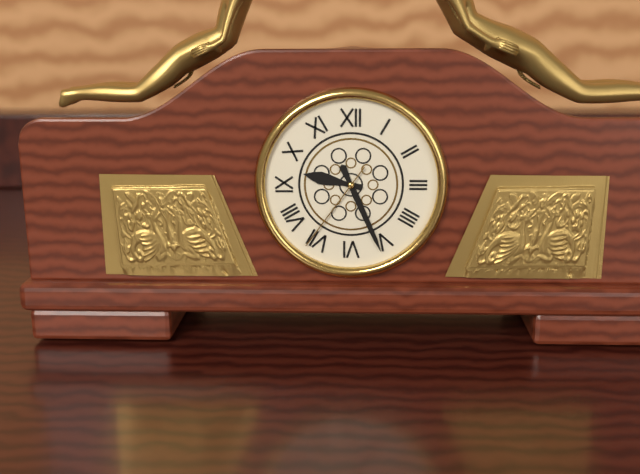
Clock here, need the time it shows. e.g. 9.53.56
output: 9.26.36
